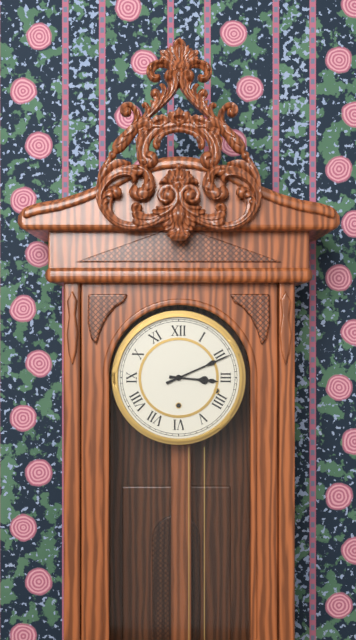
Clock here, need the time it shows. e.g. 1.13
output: 3.11
